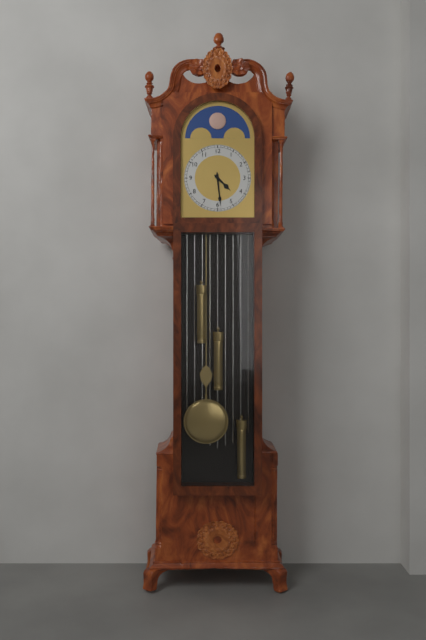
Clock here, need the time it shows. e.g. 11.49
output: 4.29
